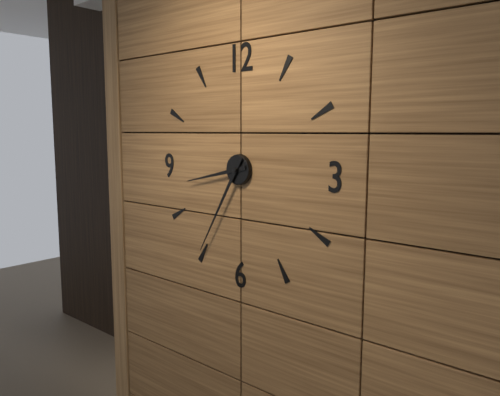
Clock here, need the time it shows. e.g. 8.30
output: 8.35
